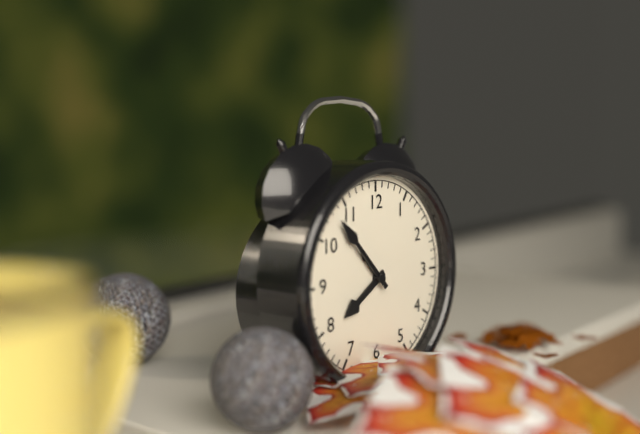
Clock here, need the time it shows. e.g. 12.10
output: 7.53
